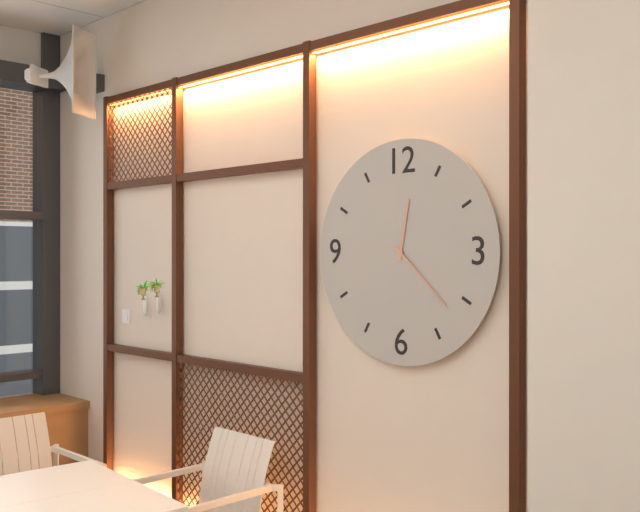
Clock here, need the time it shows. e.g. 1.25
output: 12.22
